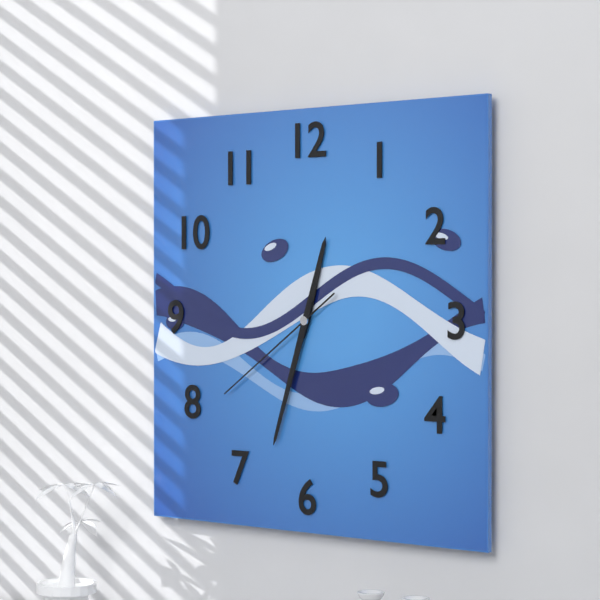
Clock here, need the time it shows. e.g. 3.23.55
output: 12.33.39
